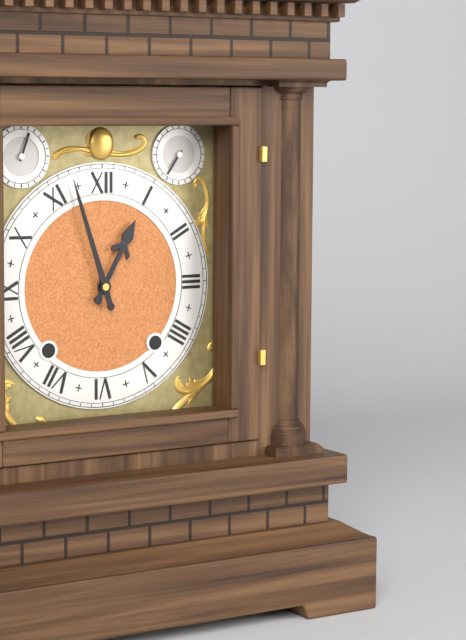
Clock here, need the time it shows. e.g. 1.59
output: 12.57
